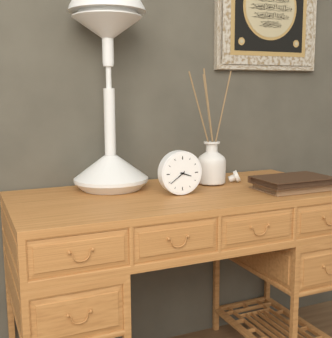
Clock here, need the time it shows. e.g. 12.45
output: 3.39
